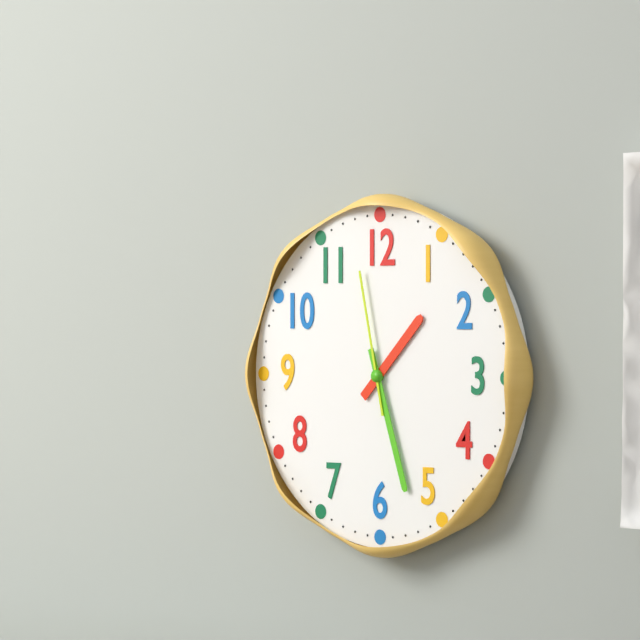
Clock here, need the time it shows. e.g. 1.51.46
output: 1.27.58
